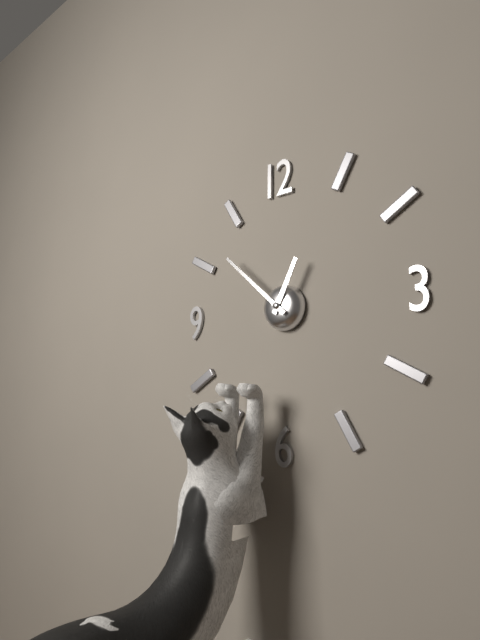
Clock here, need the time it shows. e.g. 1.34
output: 12.52
